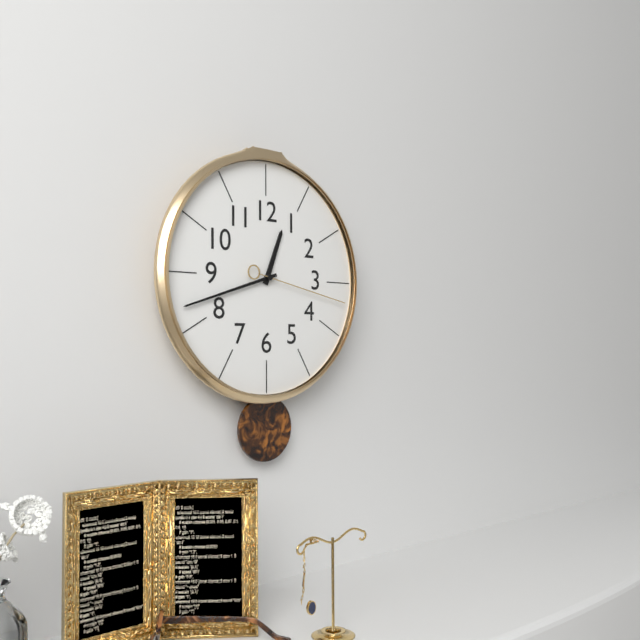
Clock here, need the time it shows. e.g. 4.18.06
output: 12.42.17
